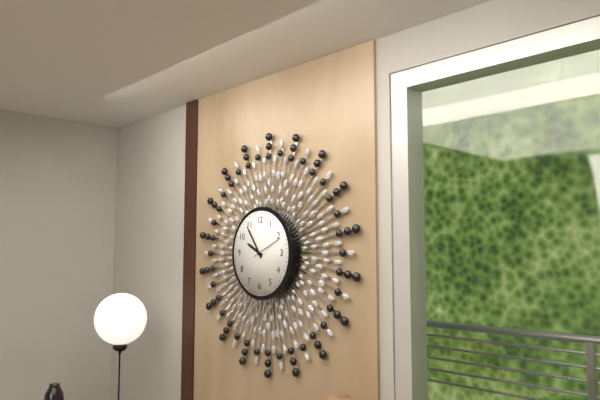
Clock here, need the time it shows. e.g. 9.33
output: 9.54
